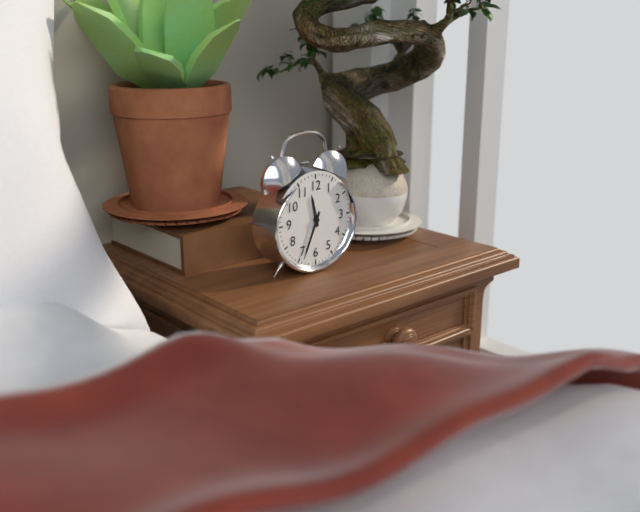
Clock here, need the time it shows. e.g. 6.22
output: 11.34
